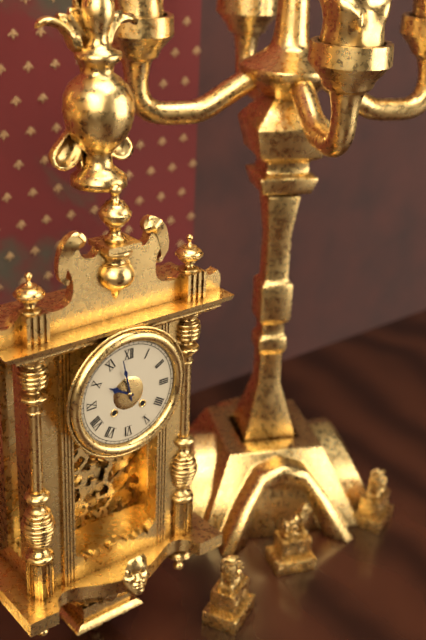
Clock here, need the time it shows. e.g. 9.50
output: 9.58
